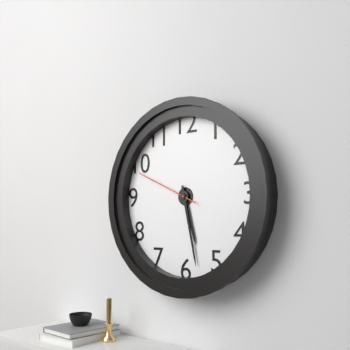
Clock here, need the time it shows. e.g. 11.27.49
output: 5.28.49
